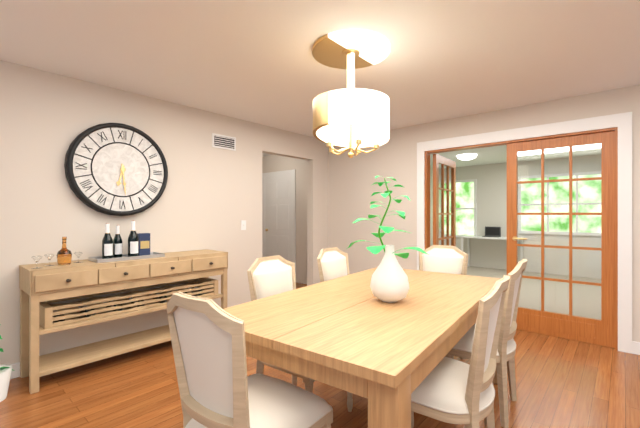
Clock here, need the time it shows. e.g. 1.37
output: 6.29
